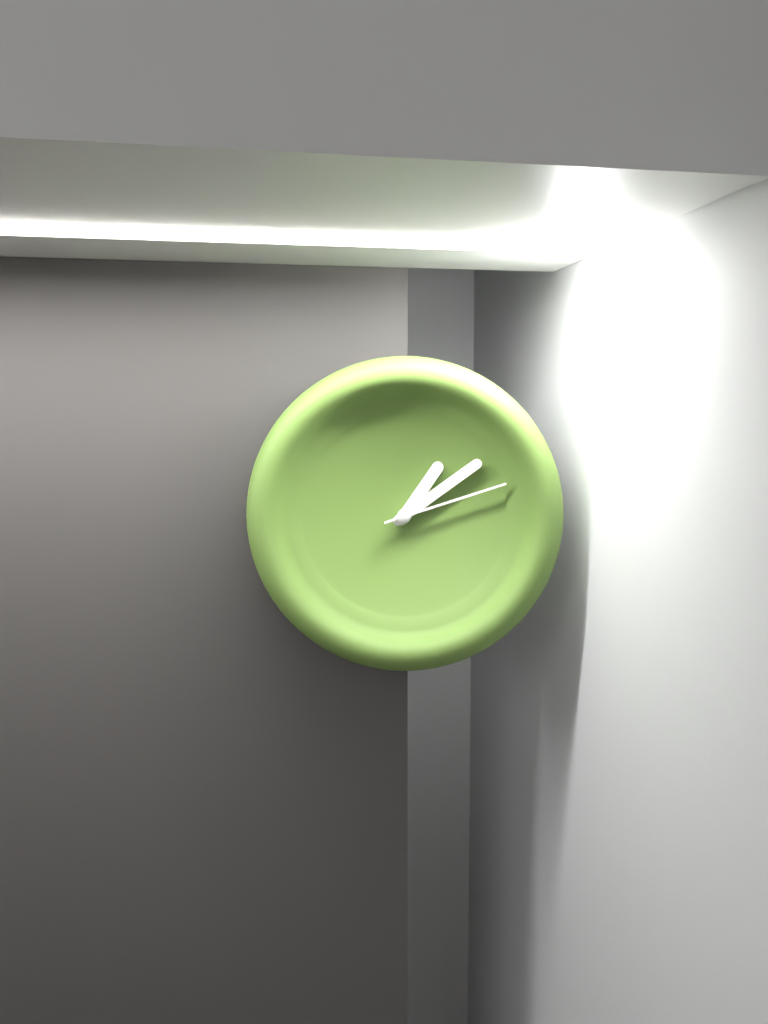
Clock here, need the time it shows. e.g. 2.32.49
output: 1.09.12
